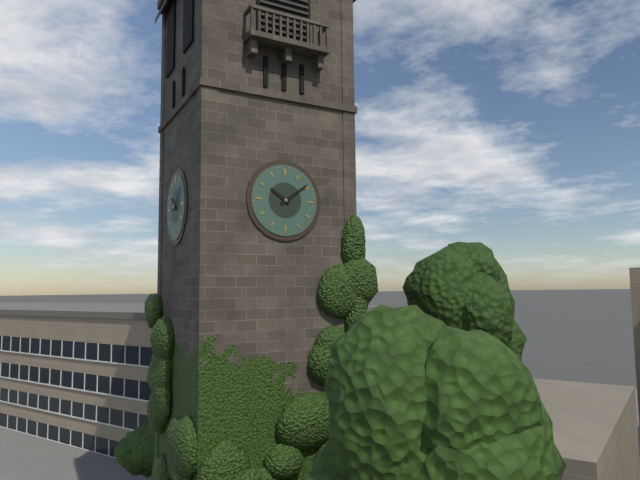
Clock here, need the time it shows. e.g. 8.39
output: 10.09
